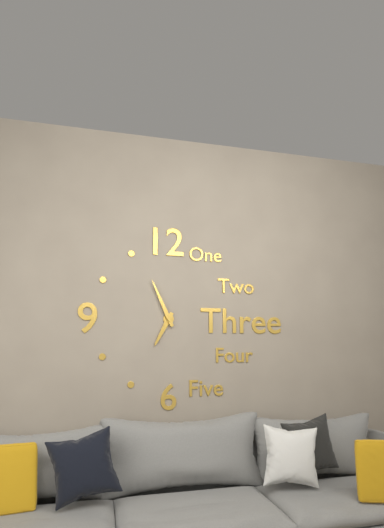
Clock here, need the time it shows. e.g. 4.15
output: 6.56
